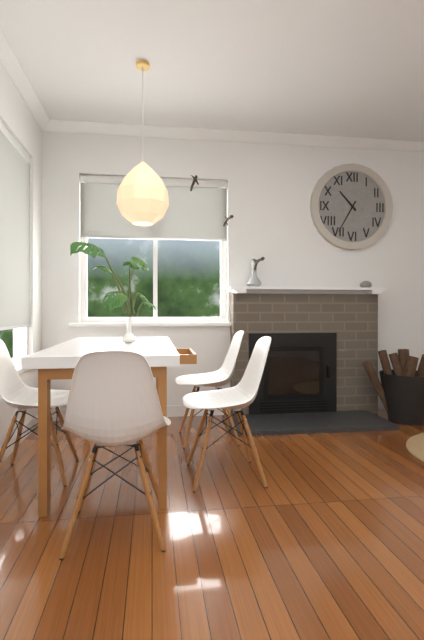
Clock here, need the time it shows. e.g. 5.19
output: 10.35
